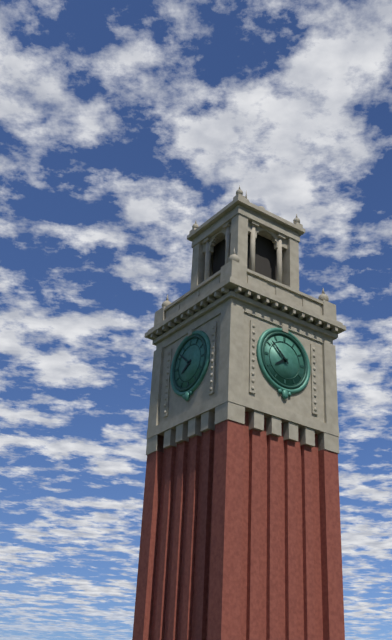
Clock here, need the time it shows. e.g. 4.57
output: 7.52
